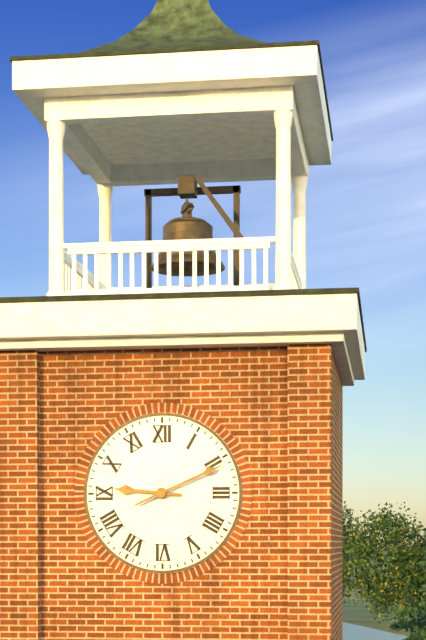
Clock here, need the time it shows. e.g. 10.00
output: 9.11
